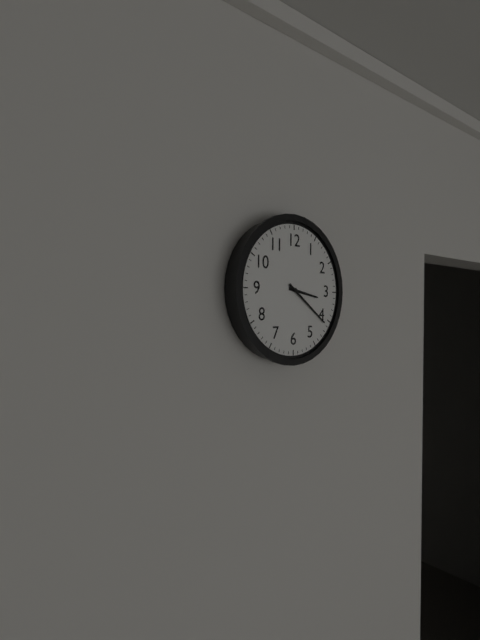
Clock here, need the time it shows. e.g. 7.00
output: 3.21
